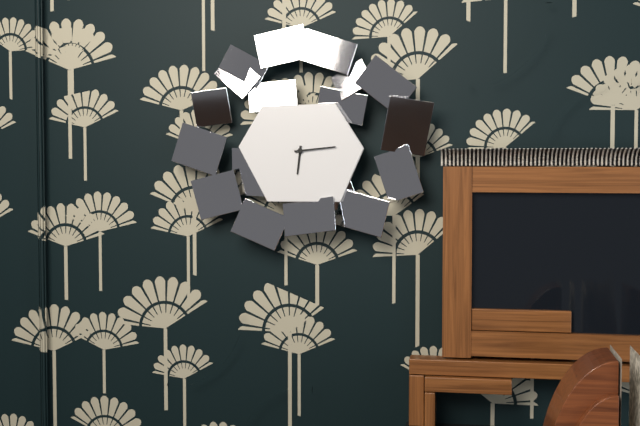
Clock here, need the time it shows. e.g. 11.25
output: 6.14
